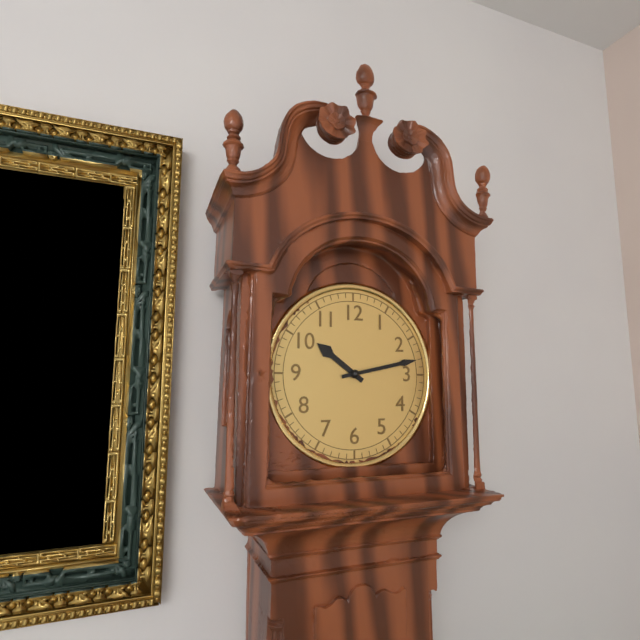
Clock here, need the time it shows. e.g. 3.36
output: 10.13
